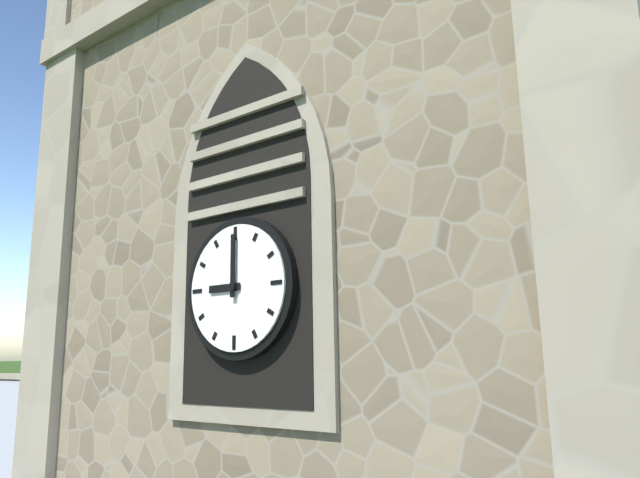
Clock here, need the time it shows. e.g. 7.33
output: 9.00
